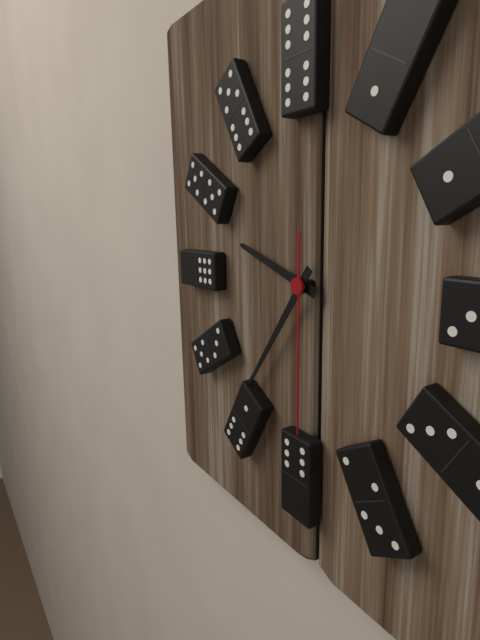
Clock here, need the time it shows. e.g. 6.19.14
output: 9.36.30
